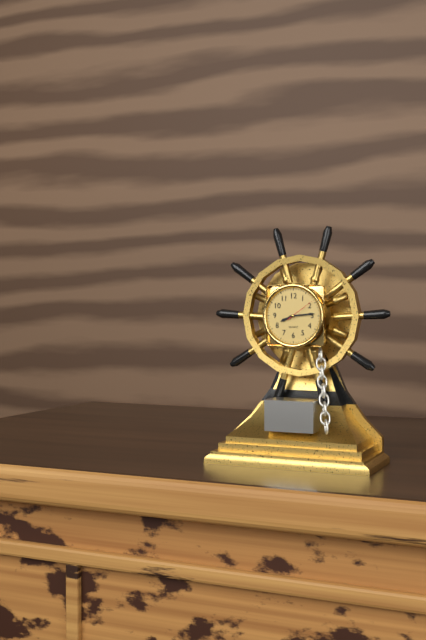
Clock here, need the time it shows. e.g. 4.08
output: 8.14
